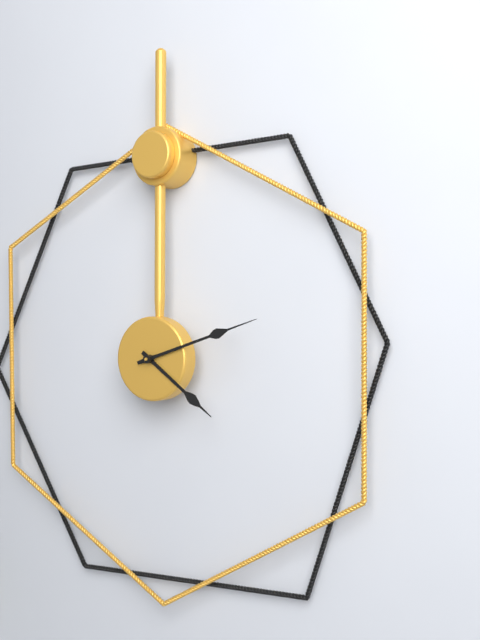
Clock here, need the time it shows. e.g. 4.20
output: 4.12
